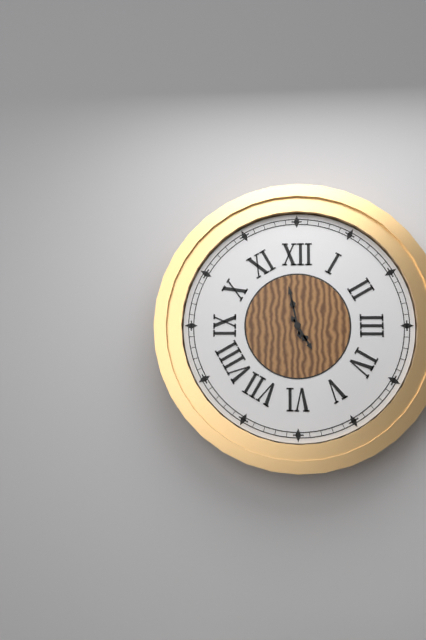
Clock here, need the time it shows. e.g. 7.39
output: 4.58
